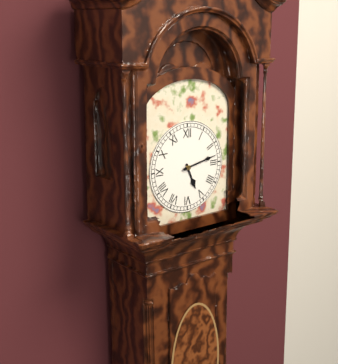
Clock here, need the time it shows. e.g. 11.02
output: 5.13
